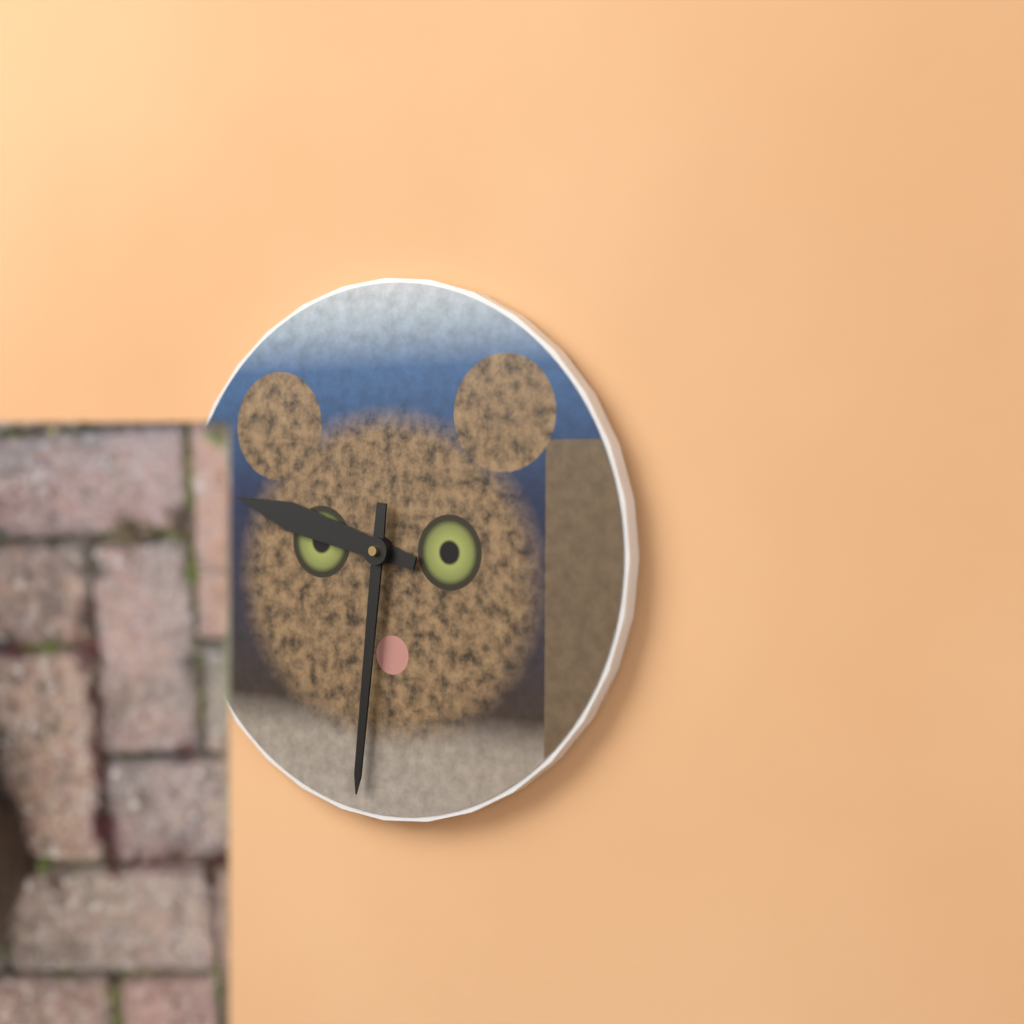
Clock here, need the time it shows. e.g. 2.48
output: 9.31
